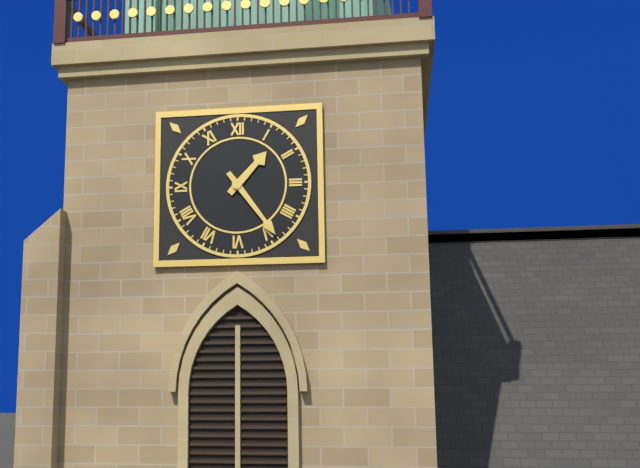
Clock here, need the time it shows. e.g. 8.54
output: 1.24
